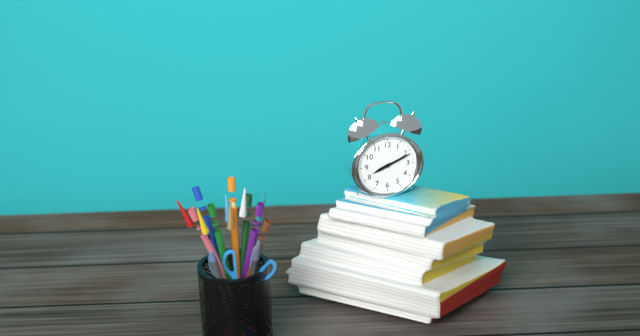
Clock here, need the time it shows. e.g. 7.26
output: 8.11
